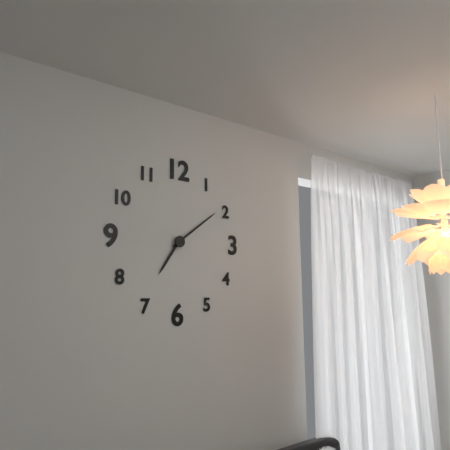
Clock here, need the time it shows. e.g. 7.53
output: 7.09
